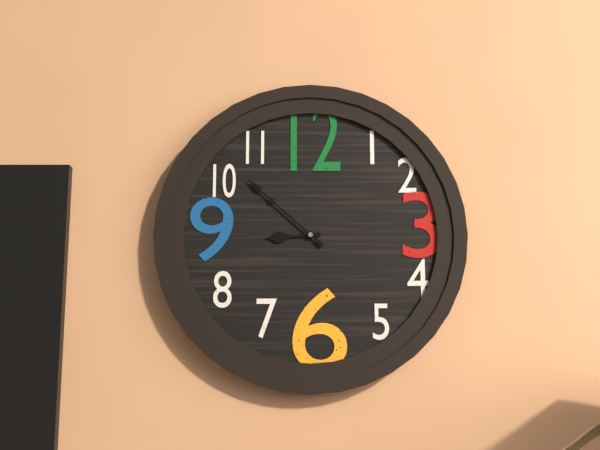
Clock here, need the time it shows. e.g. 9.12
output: 8.52
